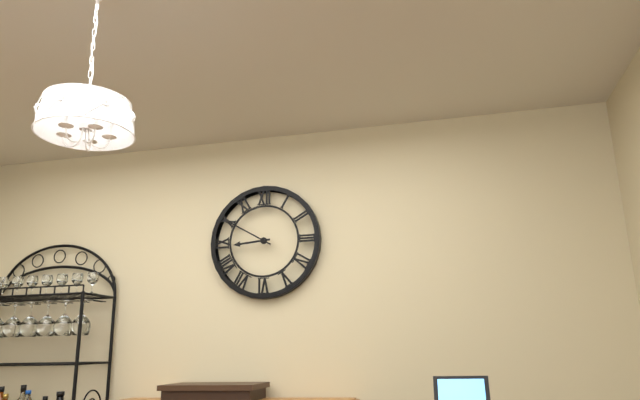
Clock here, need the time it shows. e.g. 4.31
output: 8.50
